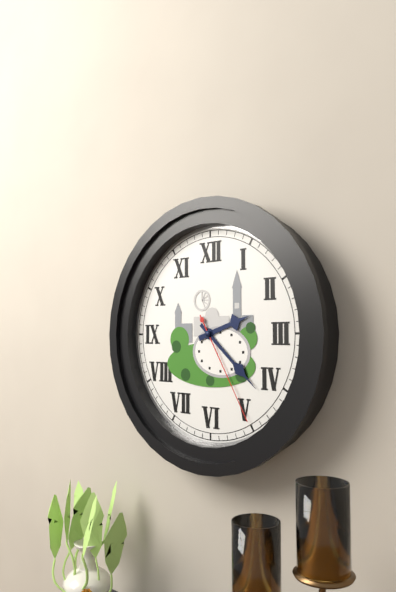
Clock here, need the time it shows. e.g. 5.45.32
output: 2.22.25
